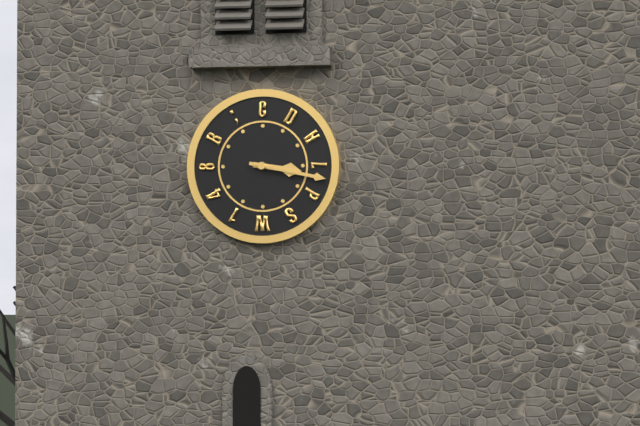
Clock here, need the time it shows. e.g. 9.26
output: 3.17
